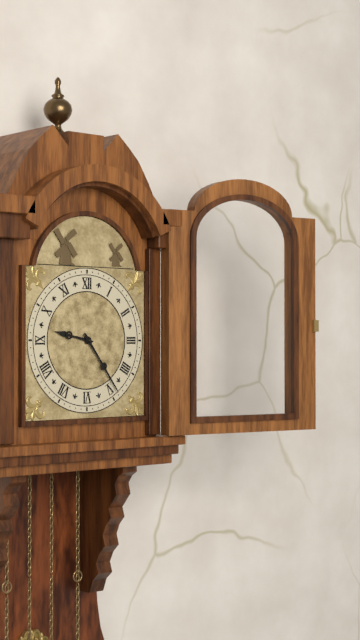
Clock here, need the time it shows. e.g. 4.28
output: 9.24
